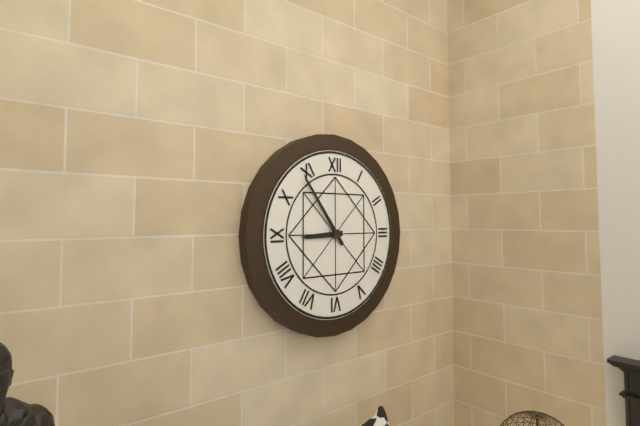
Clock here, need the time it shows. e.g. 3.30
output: 8.54
